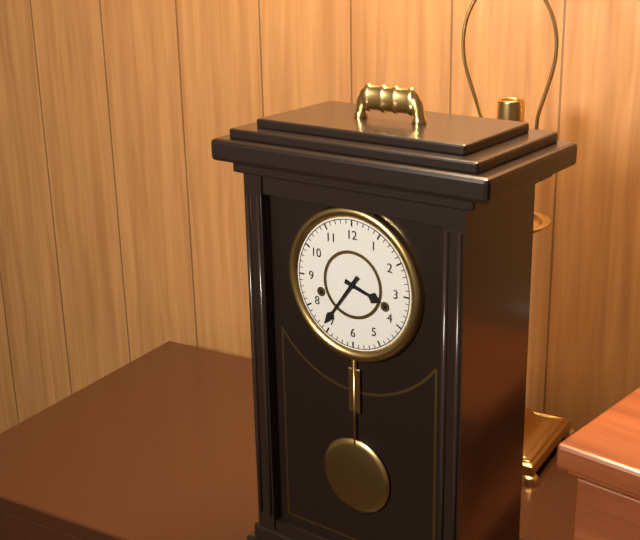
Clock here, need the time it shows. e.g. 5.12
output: 3.36
